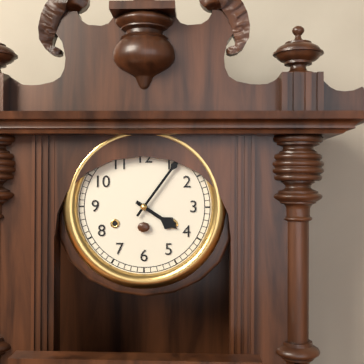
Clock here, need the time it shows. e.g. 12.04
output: 4.06
